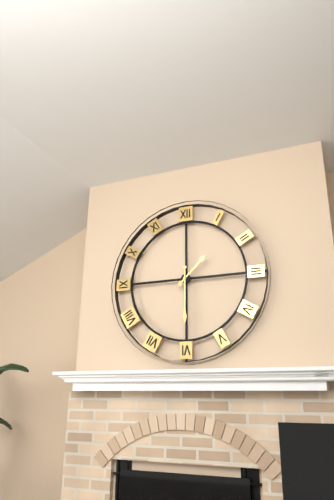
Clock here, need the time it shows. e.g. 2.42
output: 1.30
